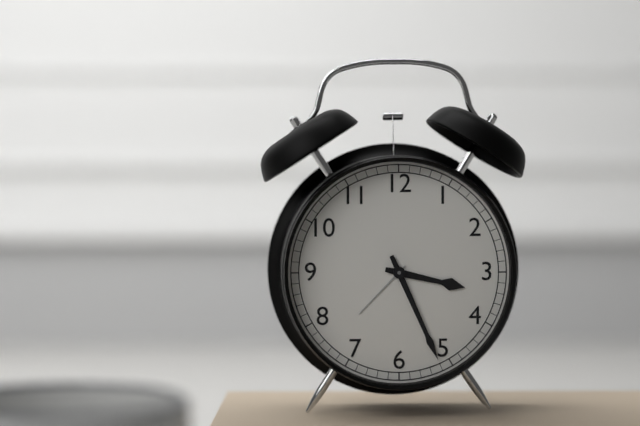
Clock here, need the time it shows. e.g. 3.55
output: 3.26
